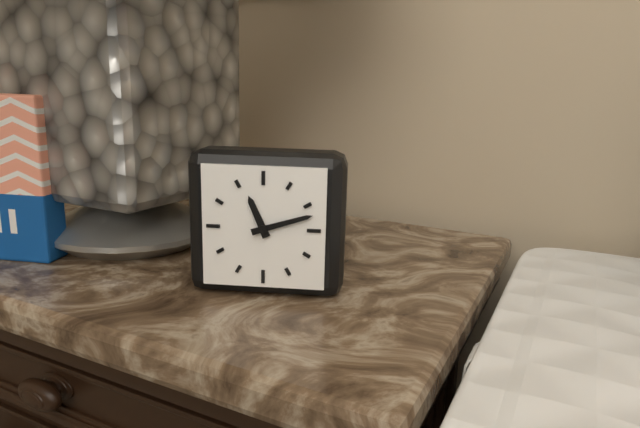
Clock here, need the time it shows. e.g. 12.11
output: 11.12
